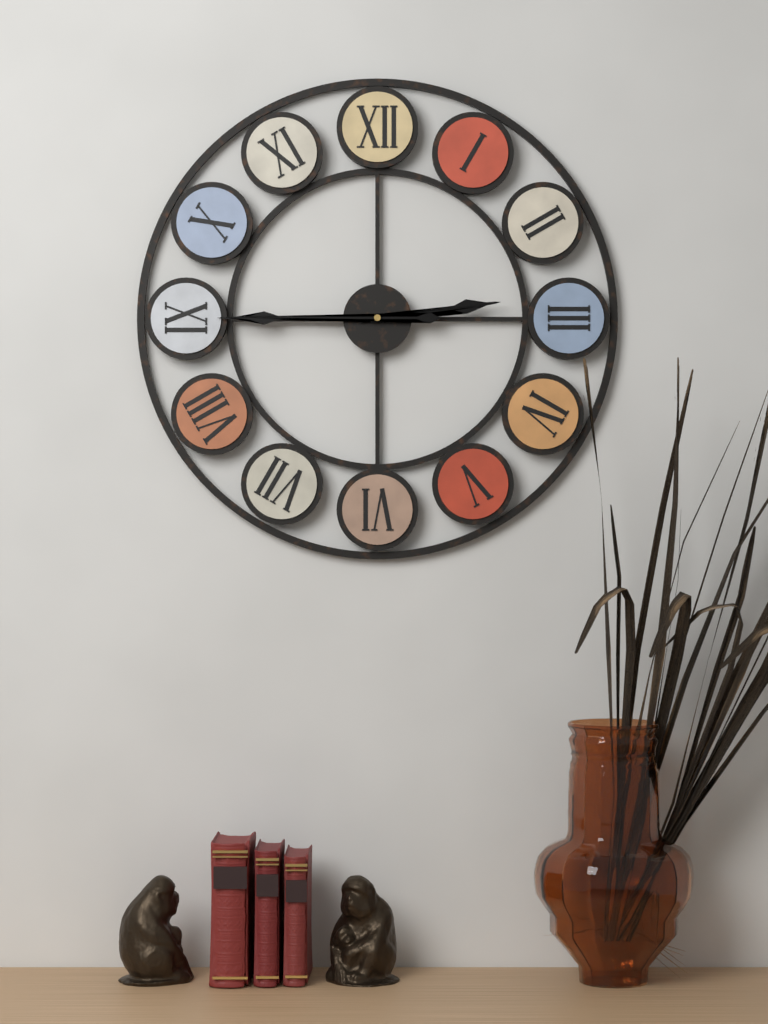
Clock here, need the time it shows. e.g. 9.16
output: 2.45
